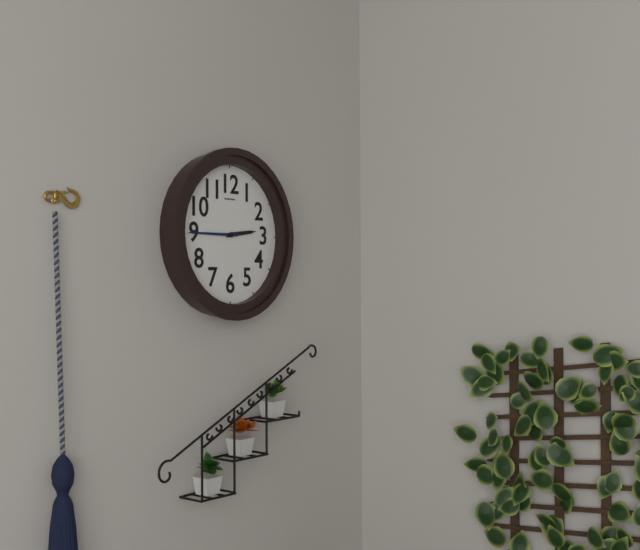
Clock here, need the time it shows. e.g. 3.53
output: 2.45
